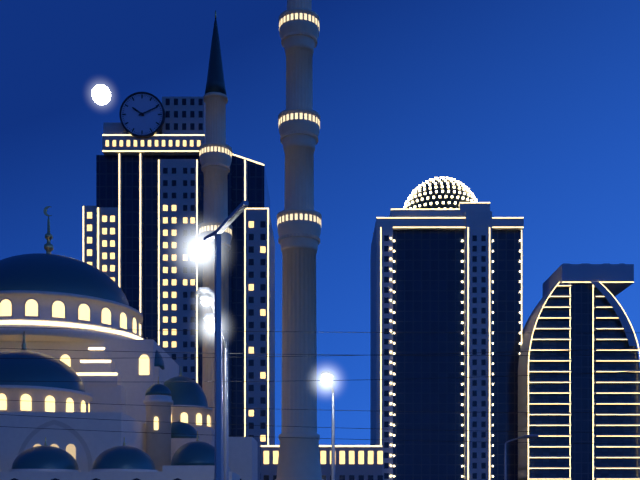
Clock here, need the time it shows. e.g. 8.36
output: 10.11
